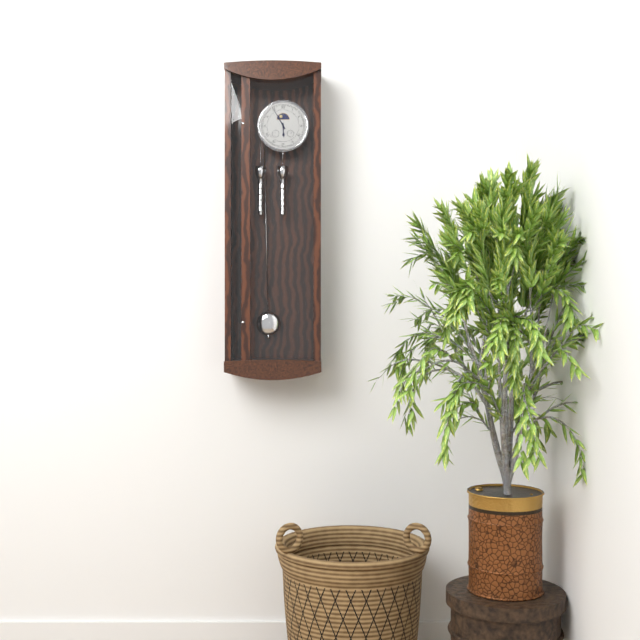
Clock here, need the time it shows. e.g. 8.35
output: 5.55
